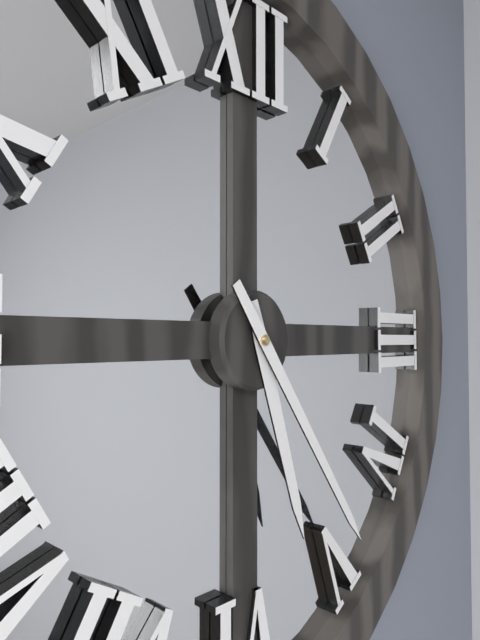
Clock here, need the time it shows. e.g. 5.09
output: 5.24
